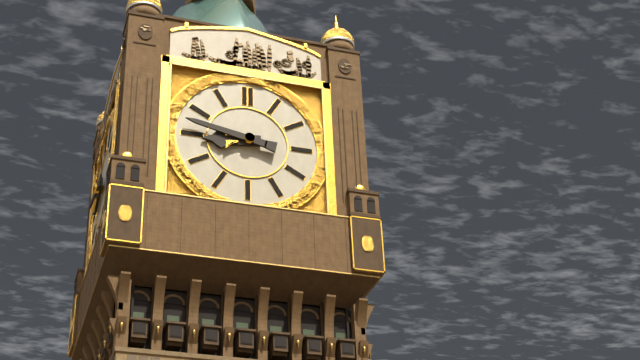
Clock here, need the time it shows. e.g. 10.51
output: 8.47
